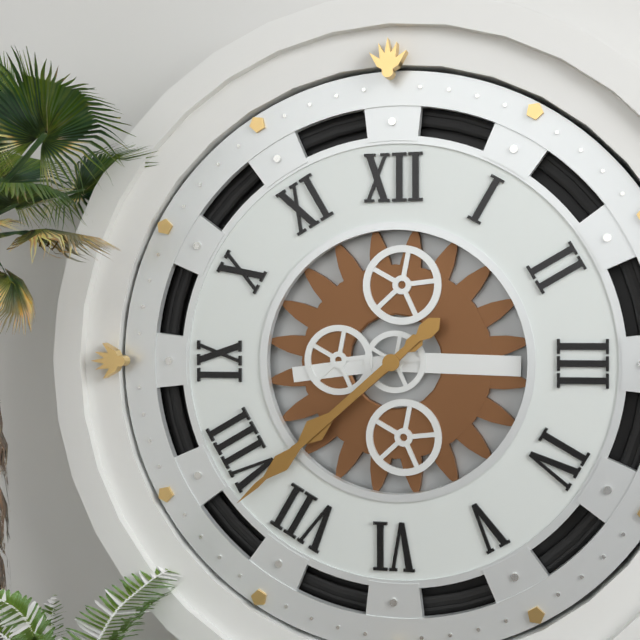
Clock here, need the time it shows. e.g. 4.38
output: 7.38
